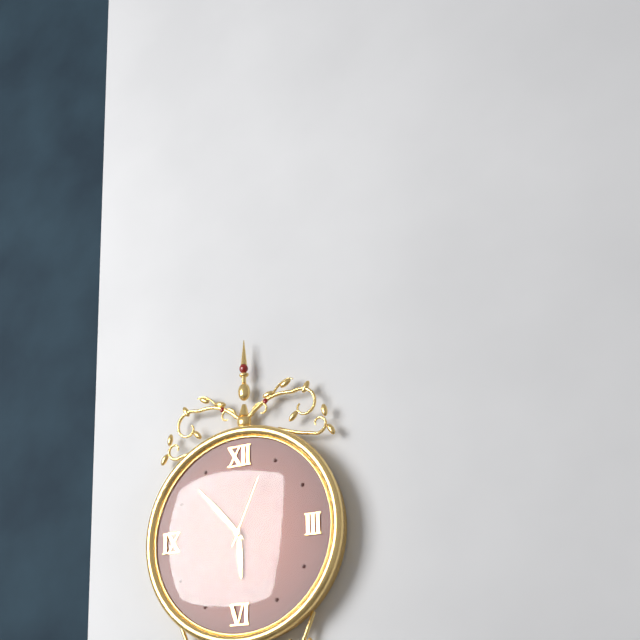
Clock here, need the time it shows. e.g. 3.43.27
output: 5.53.04
